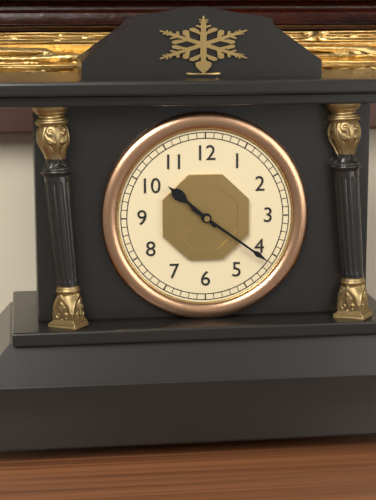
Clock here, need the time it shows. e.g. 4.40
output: 10.21
